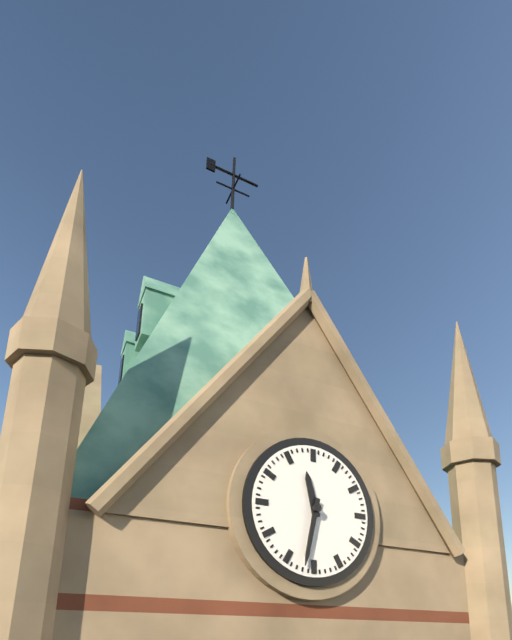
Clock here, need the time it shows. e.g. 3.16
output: 11.32
